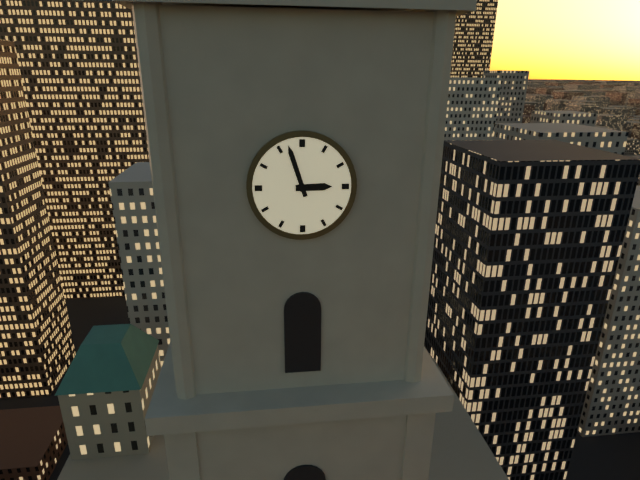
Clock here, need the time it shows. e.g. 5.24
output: 2.57
